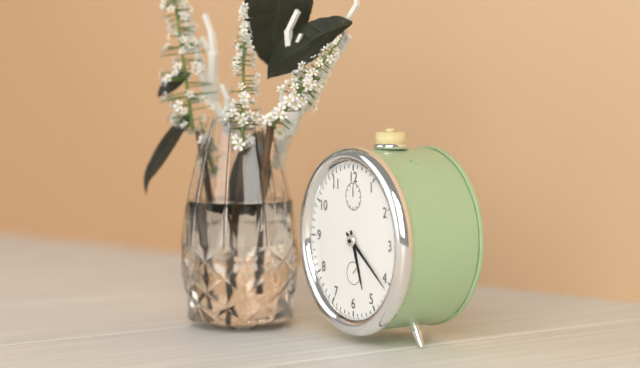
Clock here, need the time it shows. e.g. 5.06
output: 5.21
